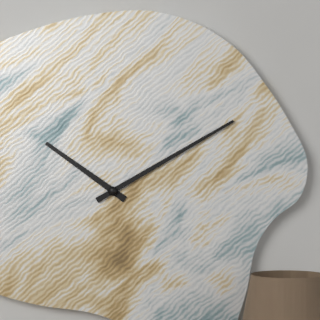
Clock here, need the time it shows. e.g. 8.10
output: 10.10
